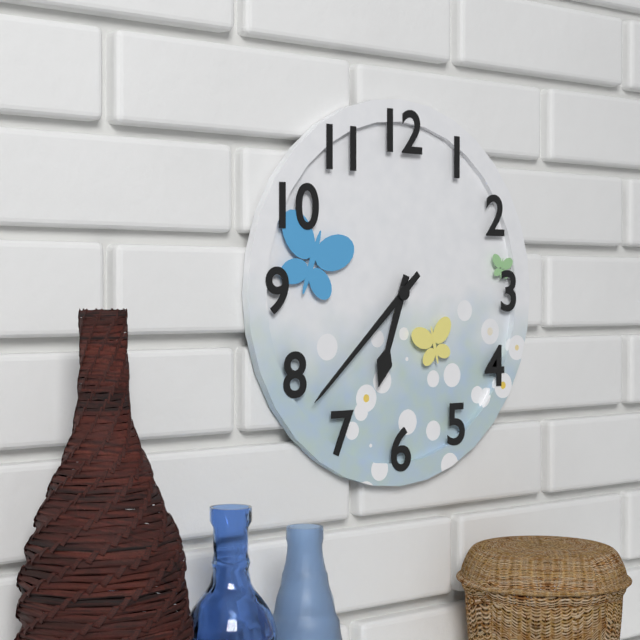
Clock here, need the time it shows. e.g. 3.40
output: 6.38
